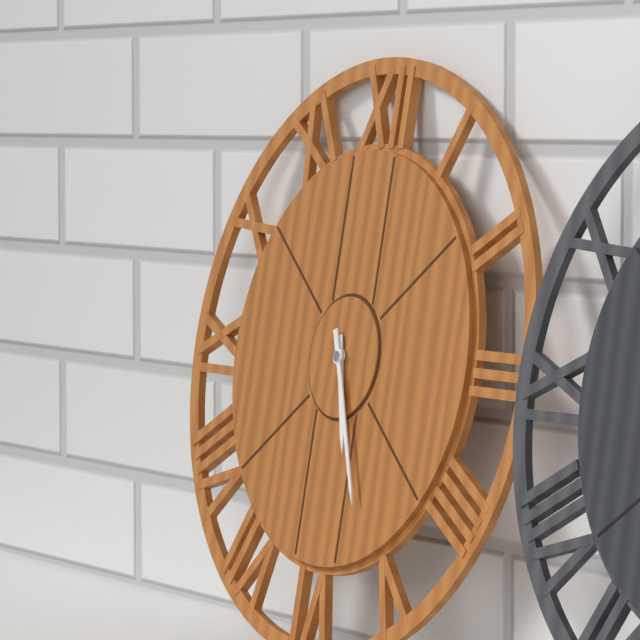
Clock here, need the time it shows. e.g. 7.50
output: 5.26
